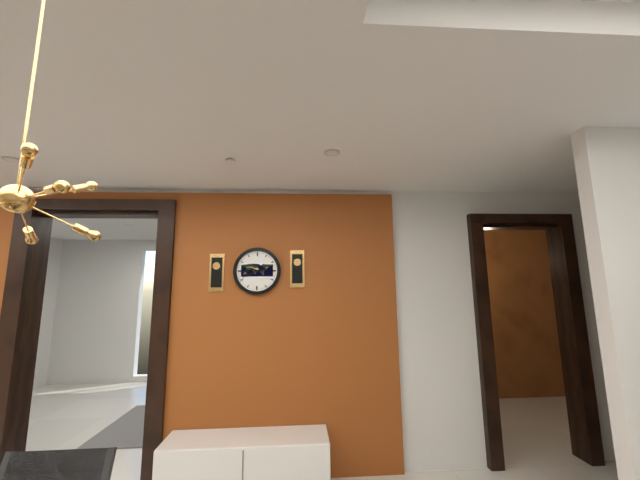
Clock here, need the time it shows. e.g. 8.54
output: 9.41
